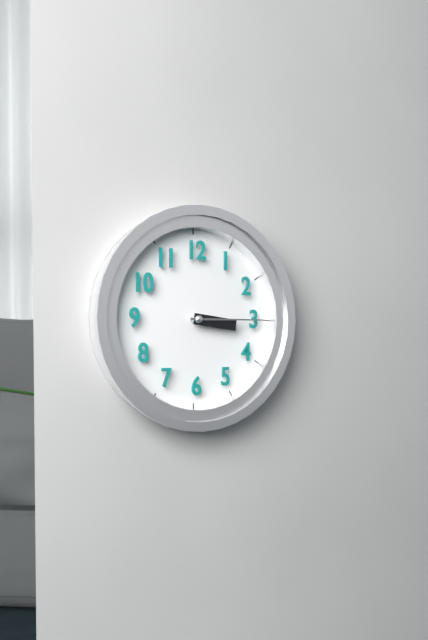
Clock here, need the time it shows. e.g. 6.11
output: 3.15
